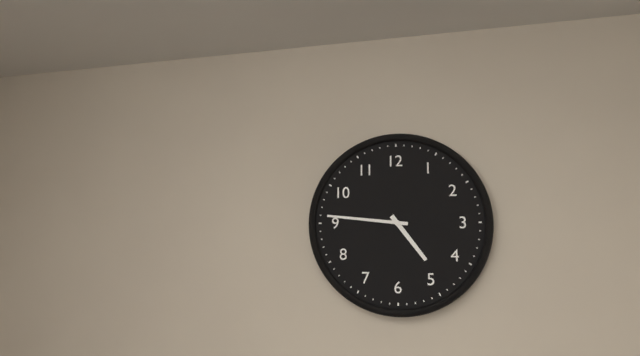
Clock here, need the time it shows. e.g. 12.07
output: 4.46
